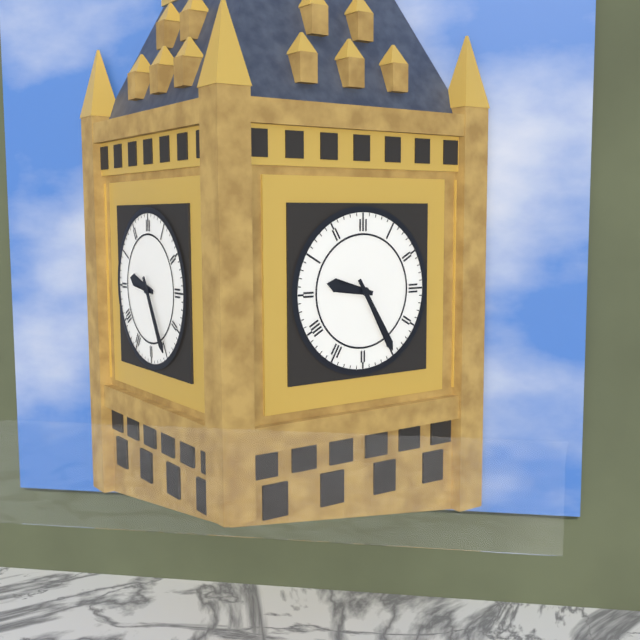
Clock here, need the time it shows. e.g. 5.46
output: 9.25
